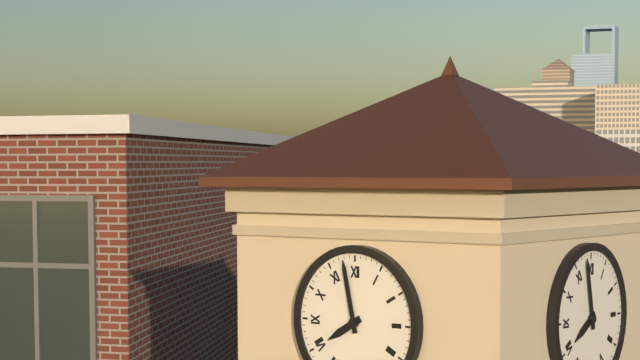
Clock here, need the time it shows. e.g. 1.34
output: 7.58
